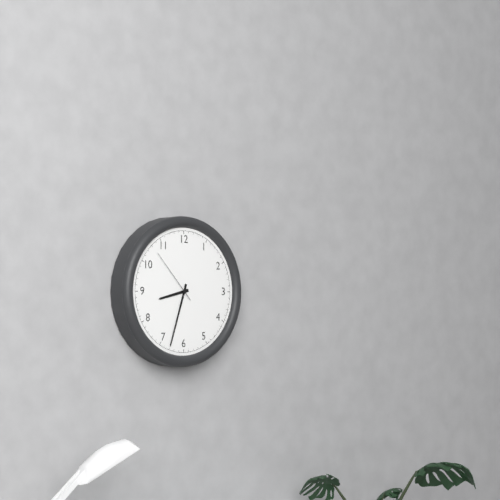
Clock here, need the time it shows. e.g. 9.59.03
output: 8.33.53
